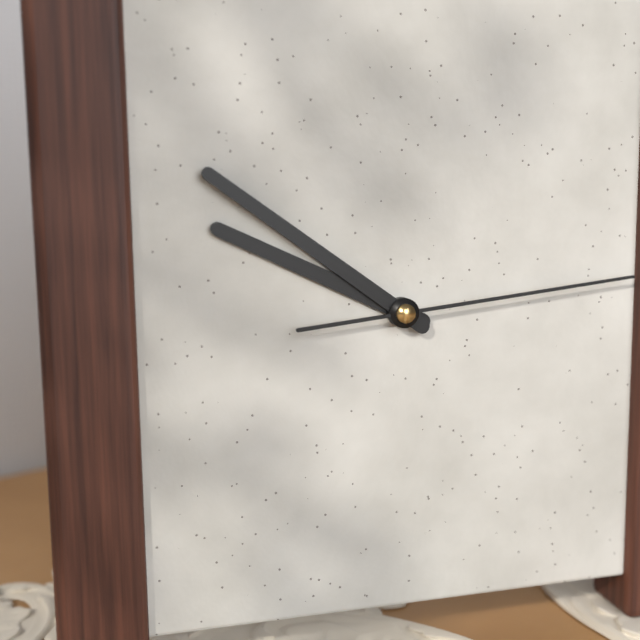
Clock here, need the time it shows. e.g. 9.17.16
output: 9.51.14
